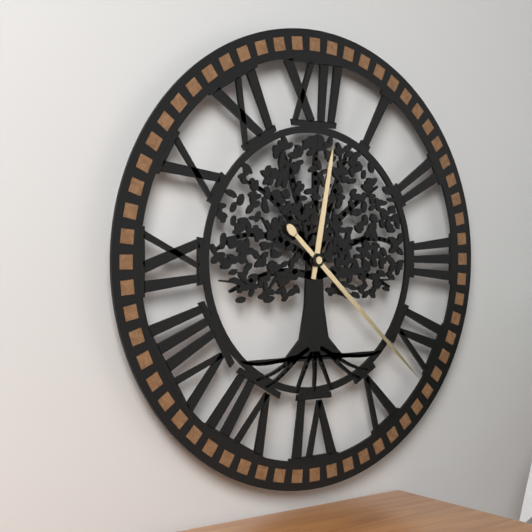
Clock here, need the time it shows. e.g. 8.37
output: 12.22
